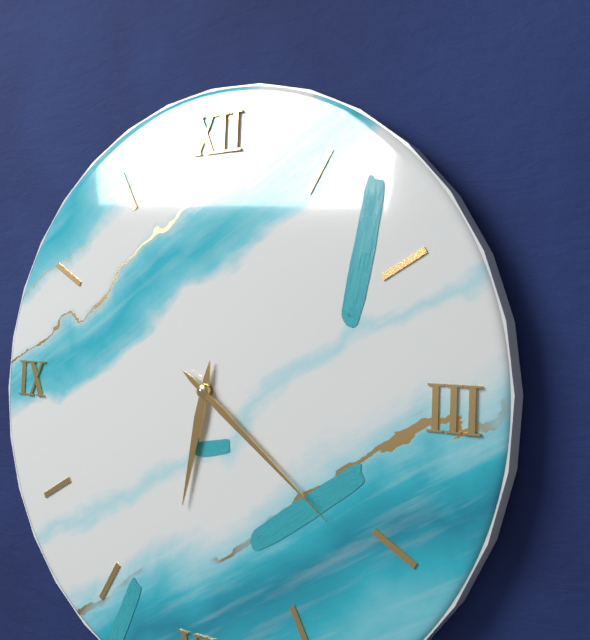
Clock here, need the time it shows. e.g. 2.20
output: 6.21
